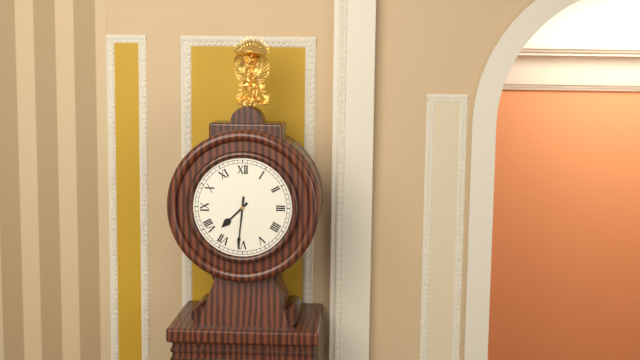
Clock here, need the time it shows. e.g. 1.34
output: 7.31
